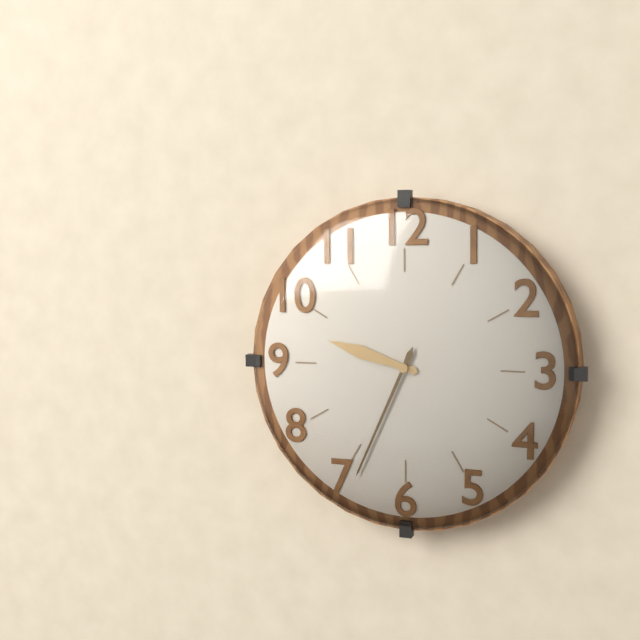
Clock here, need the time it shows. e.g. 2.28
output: 9.34
